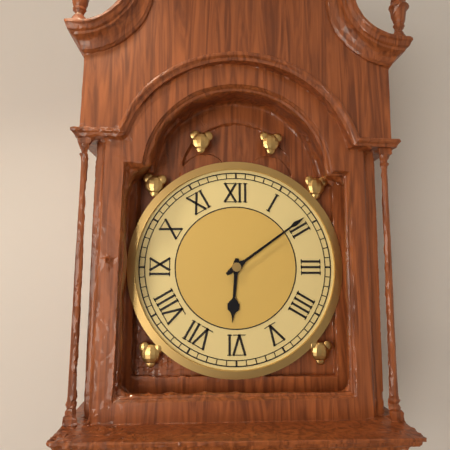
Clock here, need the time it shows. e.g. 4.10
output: 6.09
